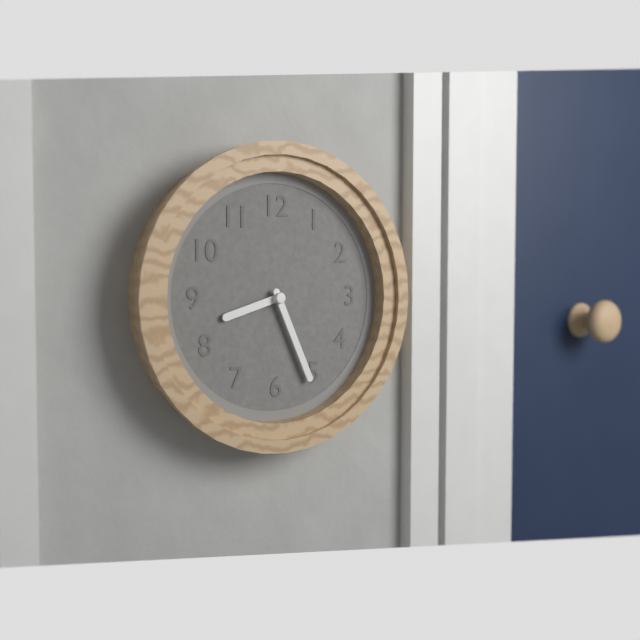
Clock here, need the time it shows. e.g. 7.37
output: 8.26
